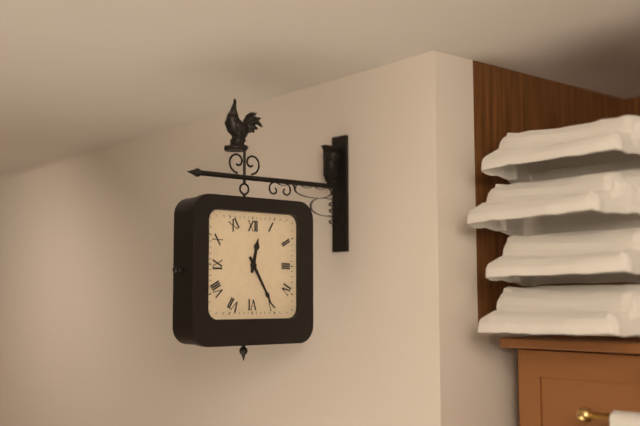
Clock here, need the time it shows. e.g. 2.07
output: 12.25
